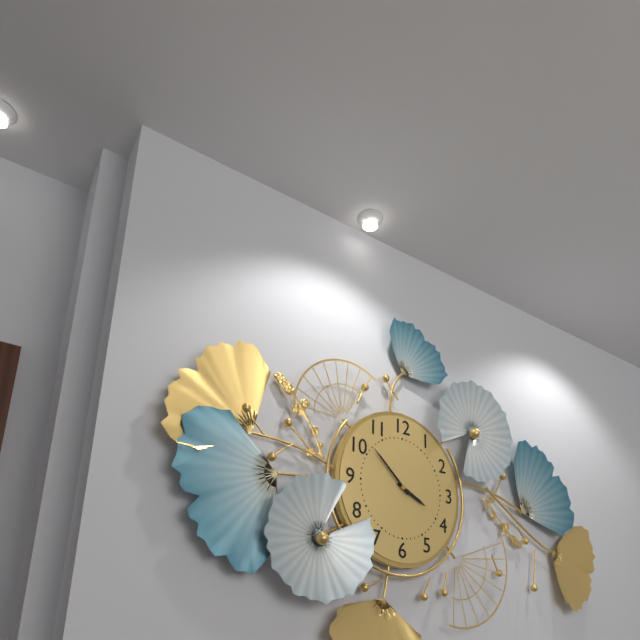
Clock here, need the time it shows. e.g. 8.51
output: 3.52
